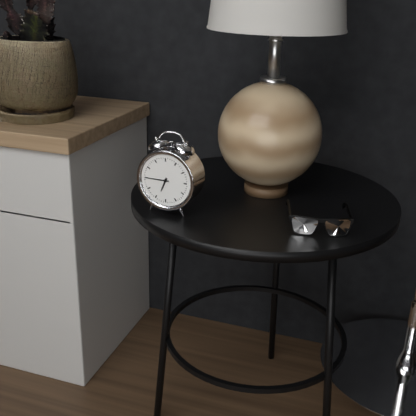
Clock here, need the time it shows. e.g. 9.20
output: 6.45
